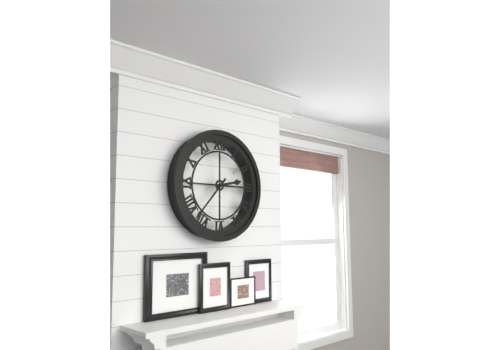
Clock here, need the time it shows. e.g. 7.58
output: 2.37
